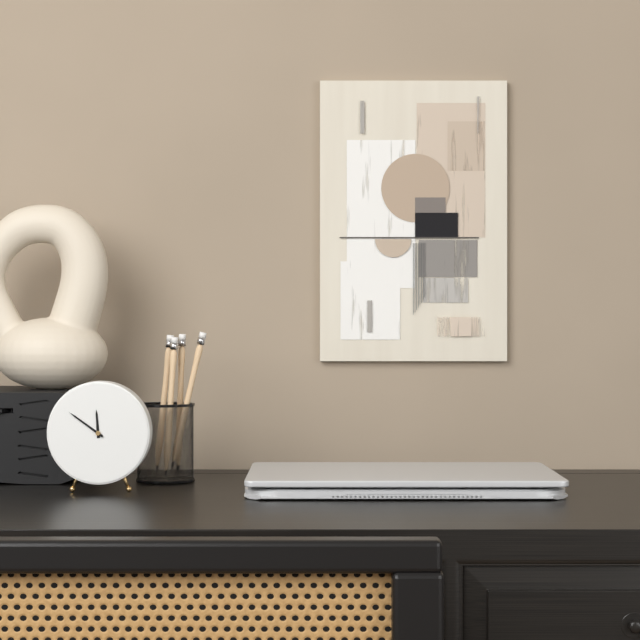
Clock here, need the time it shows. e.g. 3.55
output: 11.51
